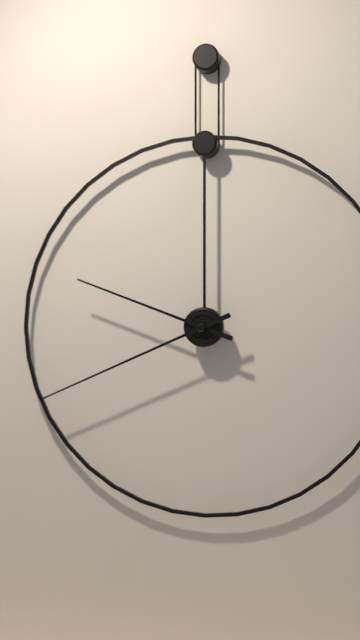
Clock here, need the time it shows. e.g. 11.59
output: 9.41
